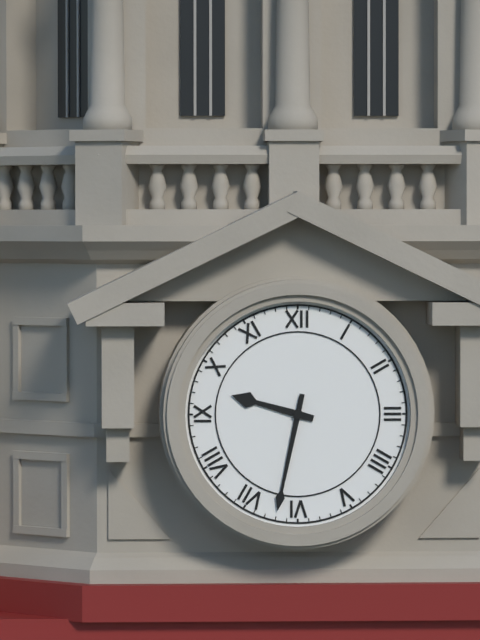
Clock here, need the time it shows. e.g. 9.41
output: 9.32
